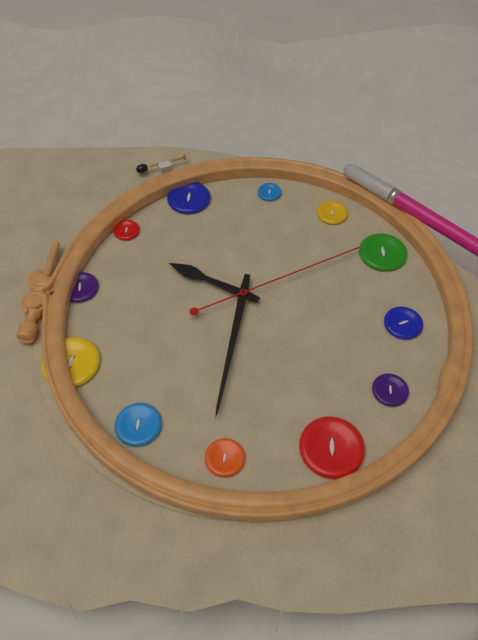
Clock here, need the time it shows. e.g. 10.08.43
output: 12.46.25
